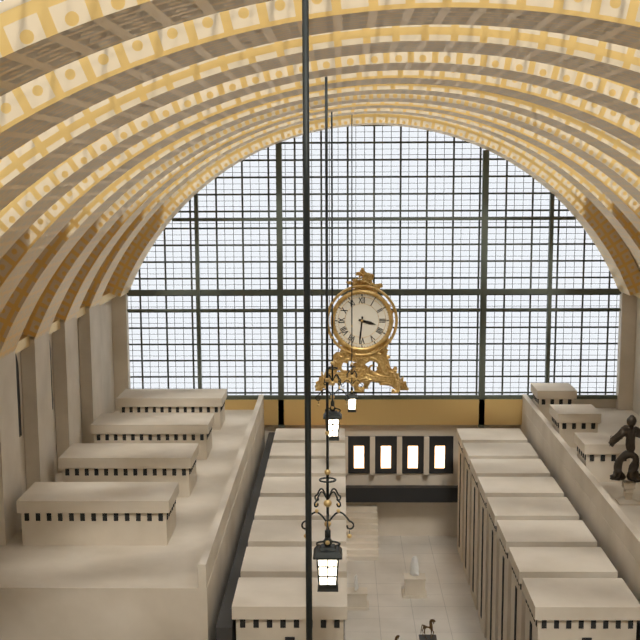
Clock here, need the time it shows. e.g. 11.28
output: 3.31
